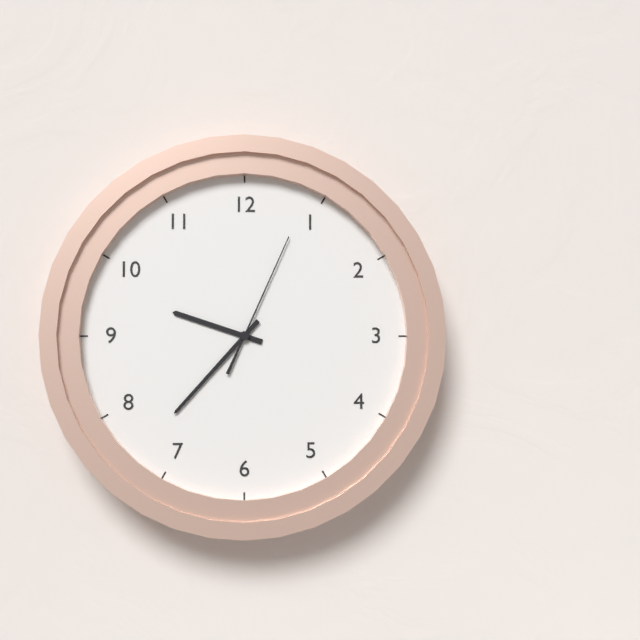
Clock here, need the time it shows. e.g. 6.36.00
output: 9.37.04
